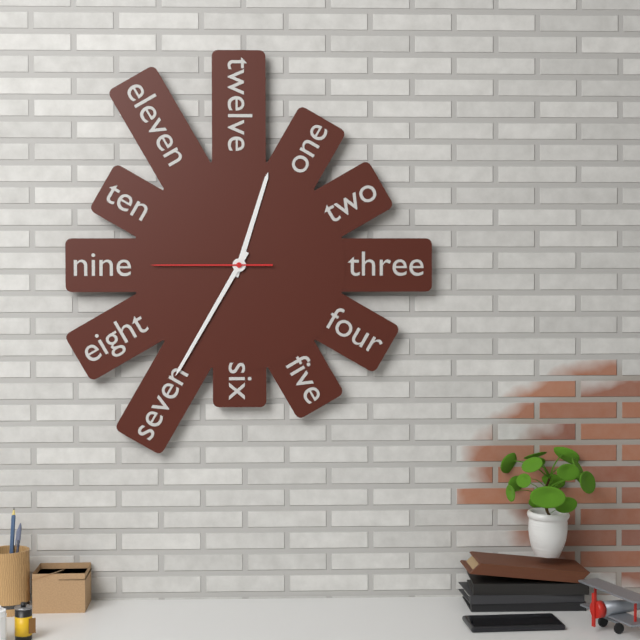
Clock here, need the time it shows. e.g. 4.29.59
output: 12.35.45
